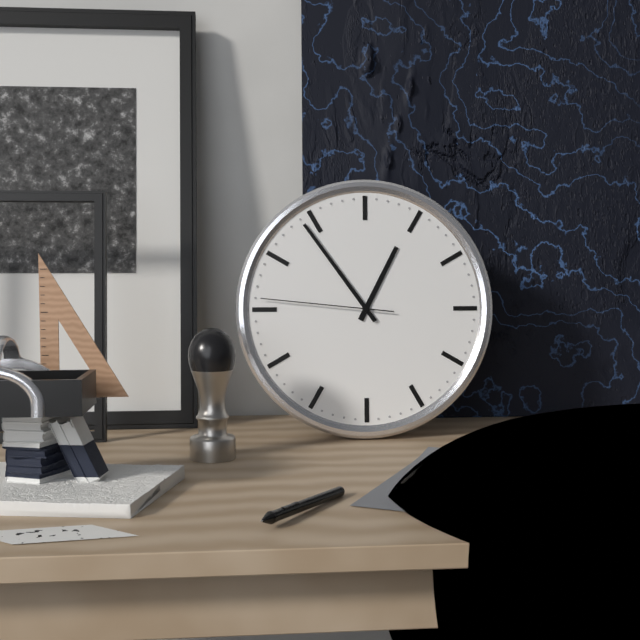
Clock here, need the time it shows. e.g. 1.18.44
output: 12.54.46
